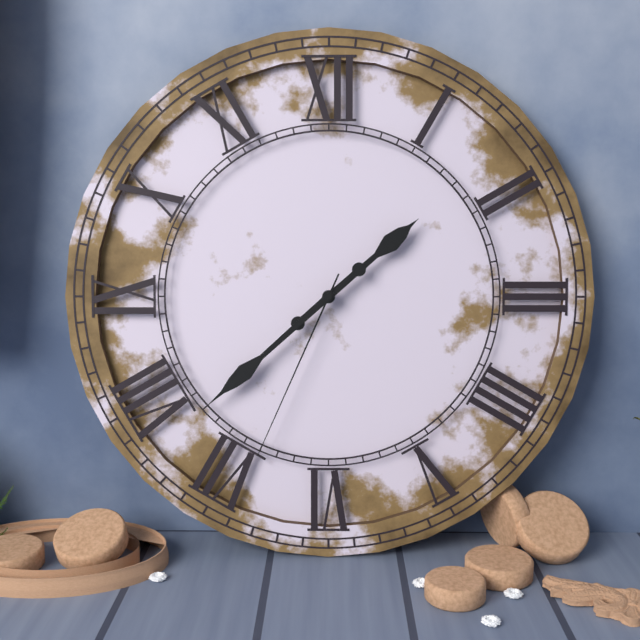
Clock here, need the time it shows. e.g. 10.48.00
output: 1.38.34
